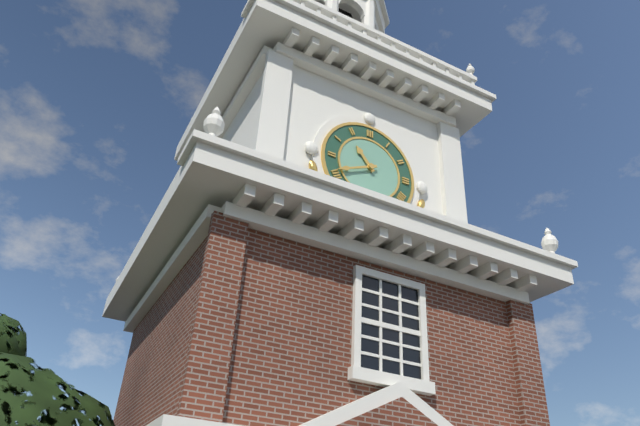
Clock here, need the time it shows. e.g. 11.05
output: 10.41
